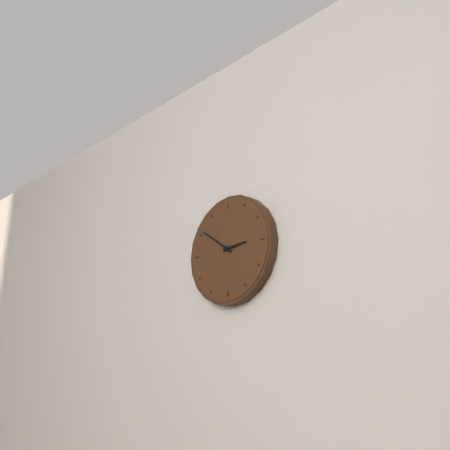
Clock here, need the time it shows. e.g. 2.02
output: 2.51
